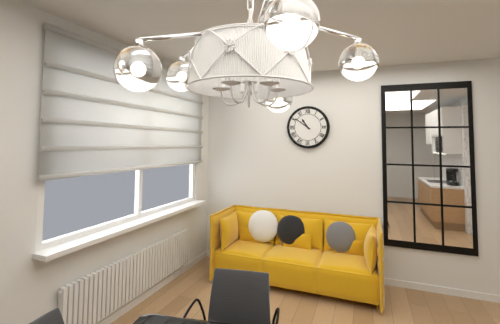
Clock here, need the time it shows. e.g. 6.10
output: 10.51
